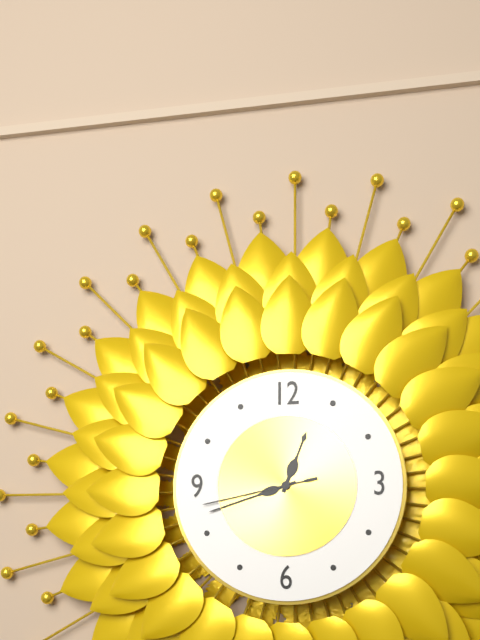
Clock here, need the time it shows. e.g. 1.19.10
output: 12.42.43
